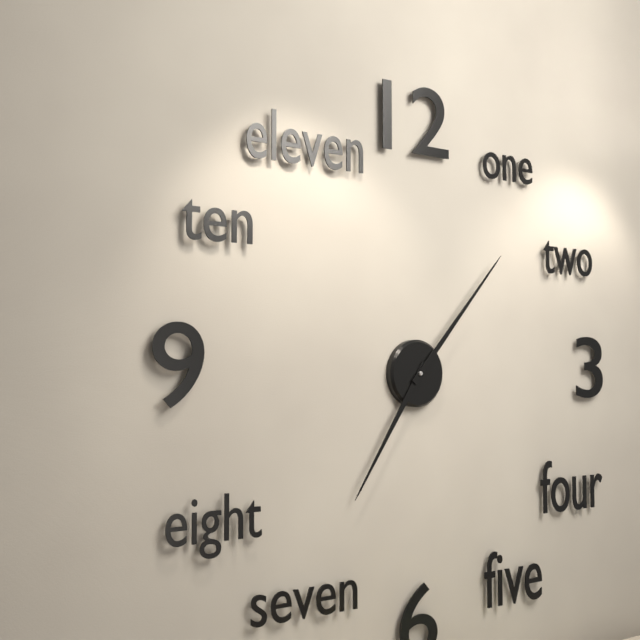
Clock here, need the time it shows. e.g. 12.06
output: 7.07
